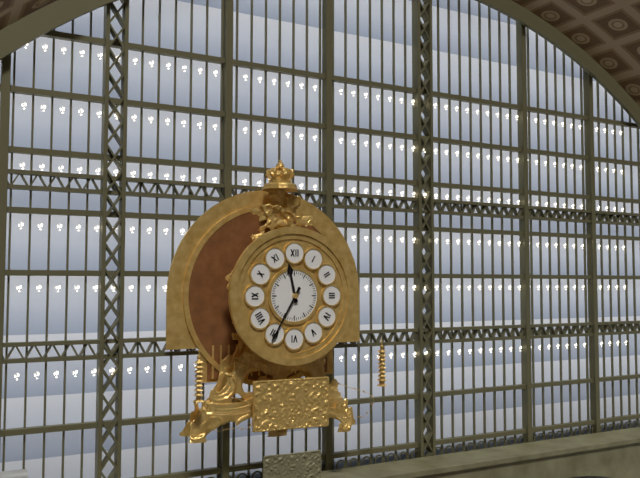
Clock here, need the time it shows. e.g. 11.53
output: 11.35
